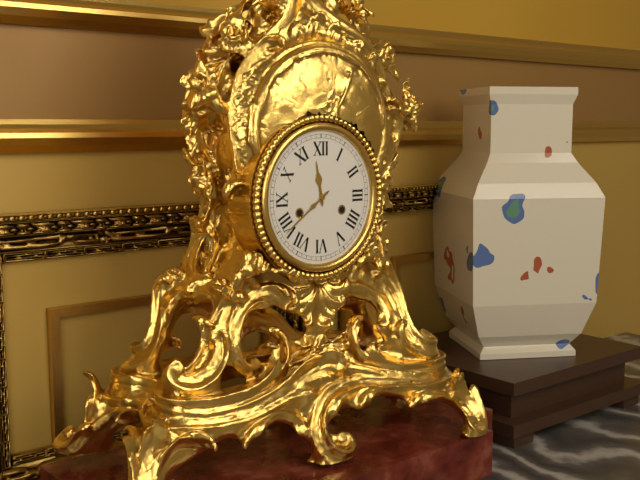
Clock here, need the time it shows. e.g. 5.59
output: 11.39
